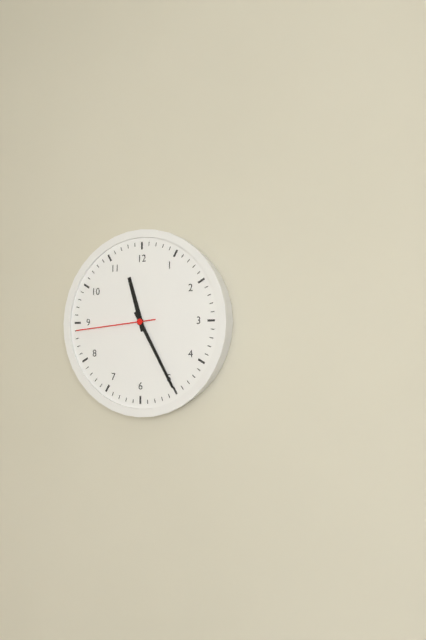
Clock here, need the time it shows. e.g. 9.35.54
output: 11.25.44
